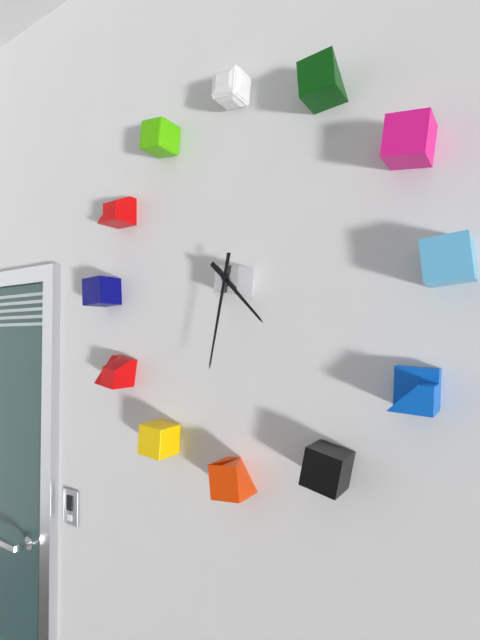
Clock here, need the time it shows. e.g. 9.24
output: 4.32
